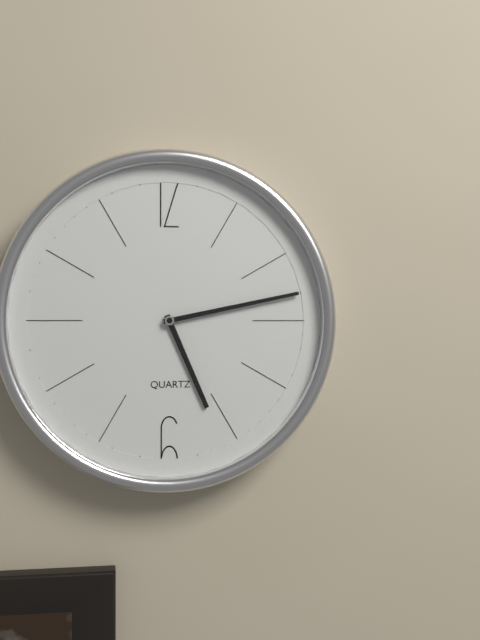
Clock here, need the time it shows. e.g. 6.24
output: 5.13
